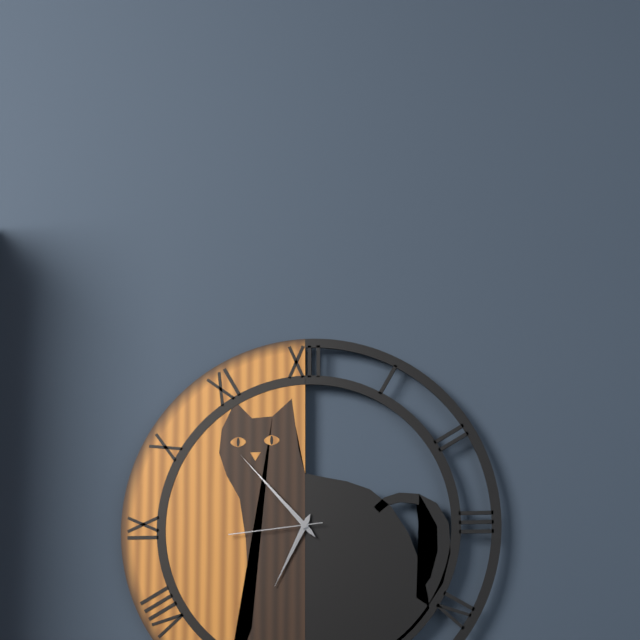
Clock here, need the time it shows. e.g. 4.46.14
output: 6.53.44
